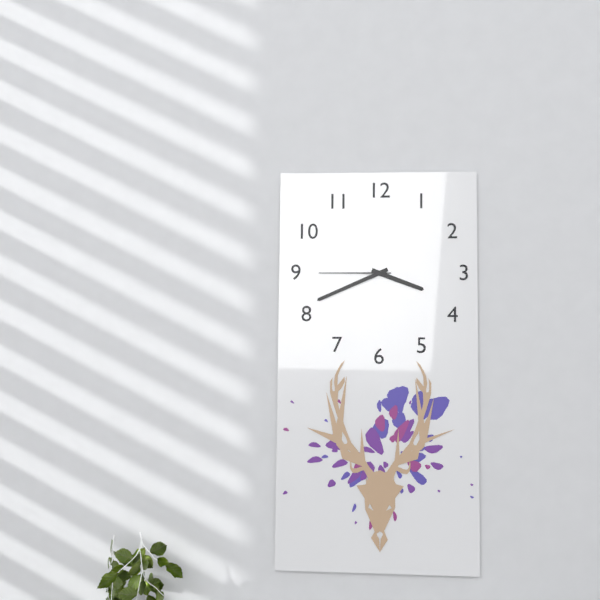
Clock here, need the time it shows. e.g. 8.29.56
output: 3.41.45
